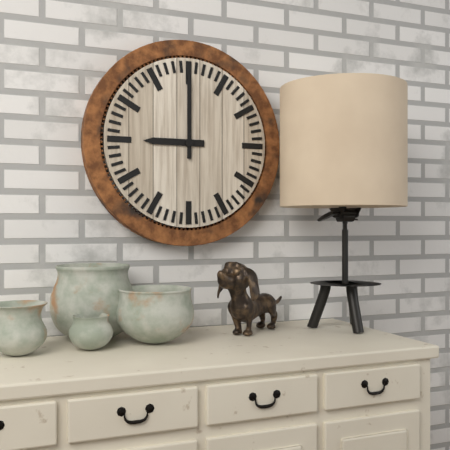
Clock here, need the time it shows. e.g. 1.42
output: 9.00
